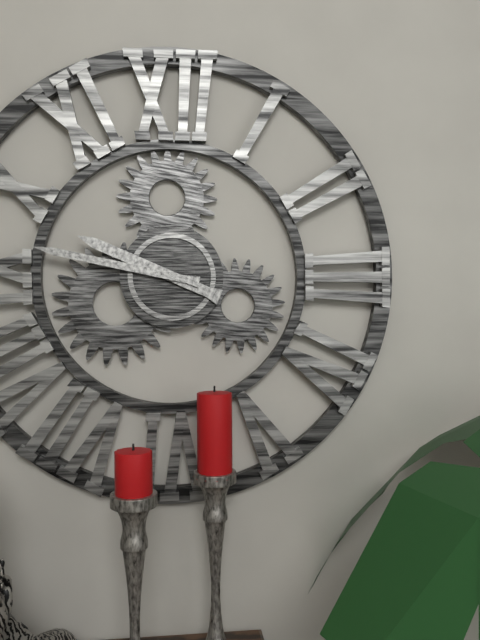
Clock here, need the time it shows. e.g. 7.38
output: 9.47
